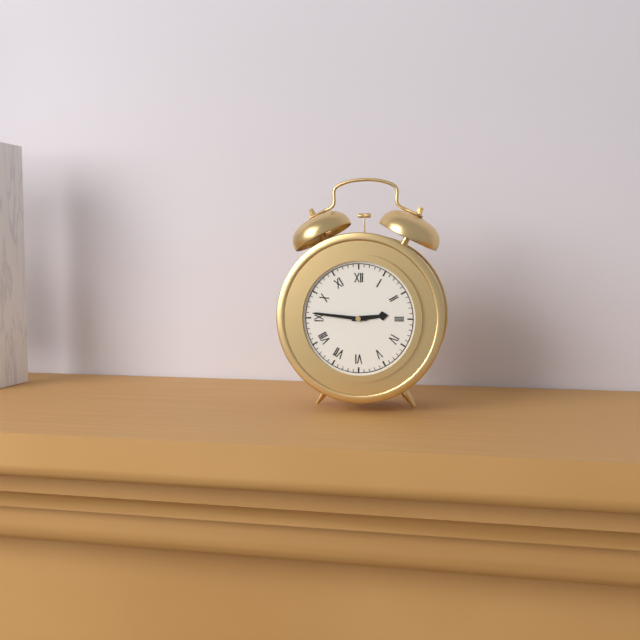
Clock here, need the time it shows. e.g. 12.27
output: 2.46
